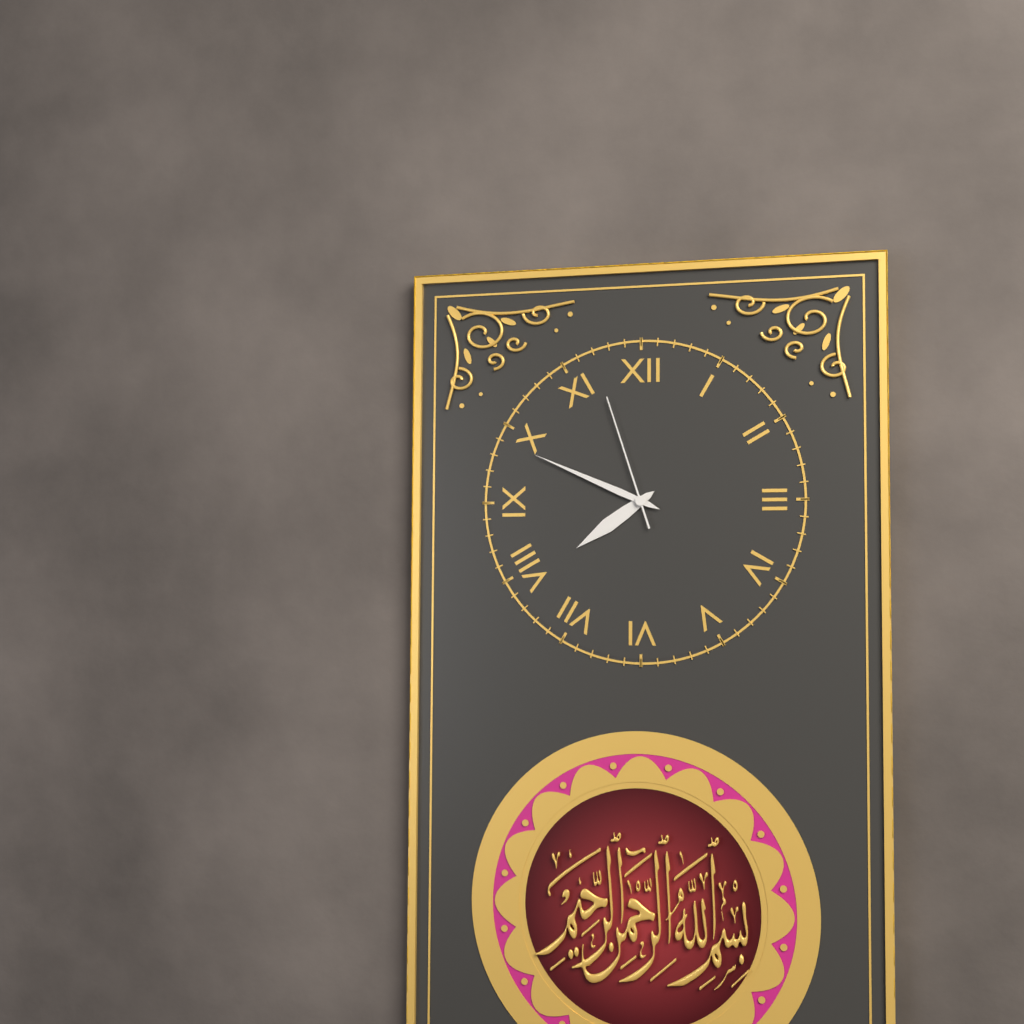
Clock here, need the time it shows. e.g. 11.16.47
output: 7.49.57
